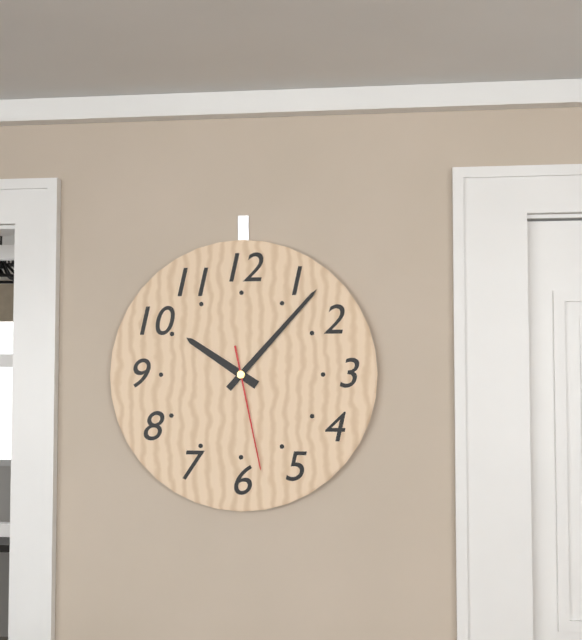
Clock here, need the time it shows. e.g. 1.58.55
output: 10.07.28
